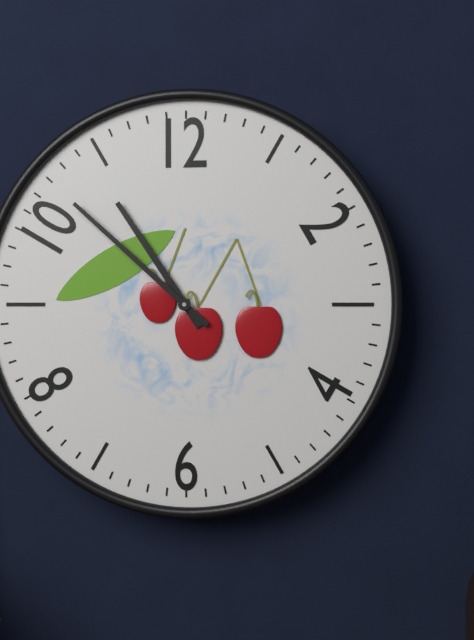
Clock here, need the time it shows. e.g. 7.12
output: 10.52
